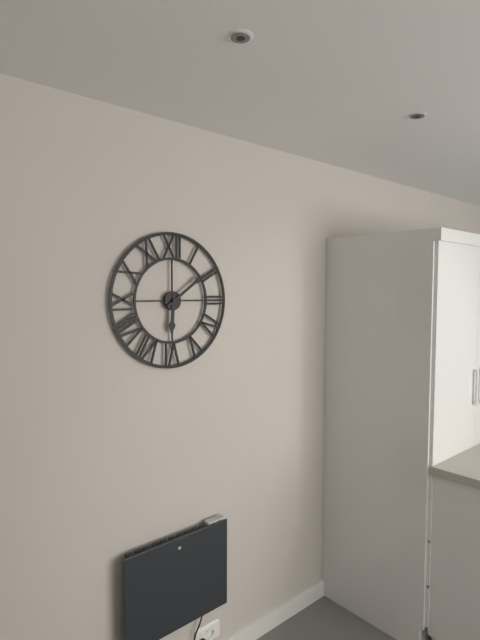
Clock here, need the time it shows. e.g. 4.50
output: 6.09
